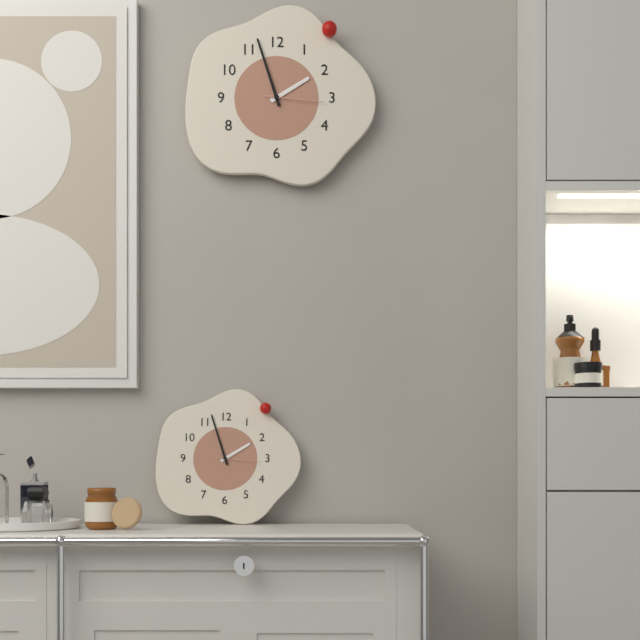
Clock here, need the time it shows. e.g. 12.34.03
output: 1.57.16
